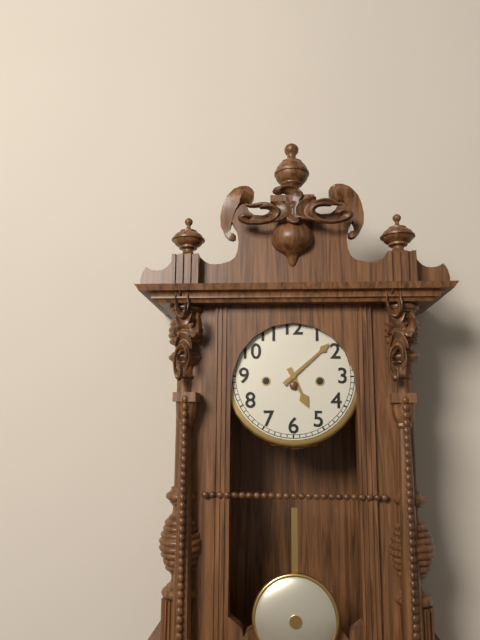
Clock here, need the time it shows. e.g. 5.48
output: 5.08
